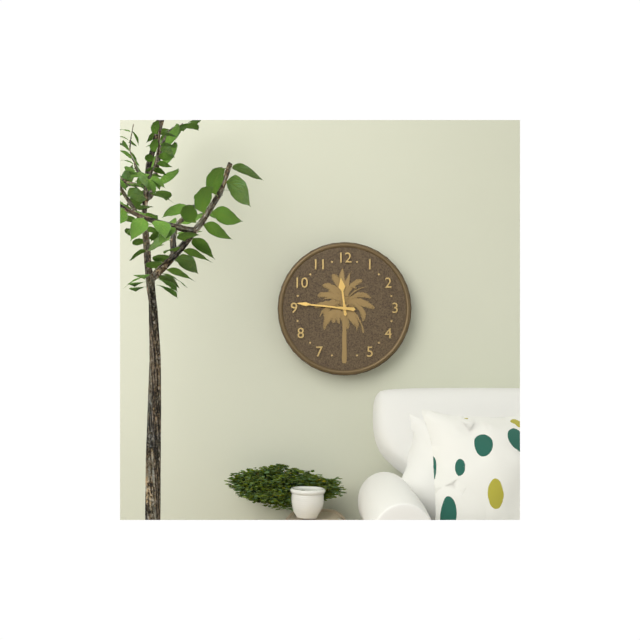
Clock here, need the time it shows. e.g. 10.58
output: 11.46
